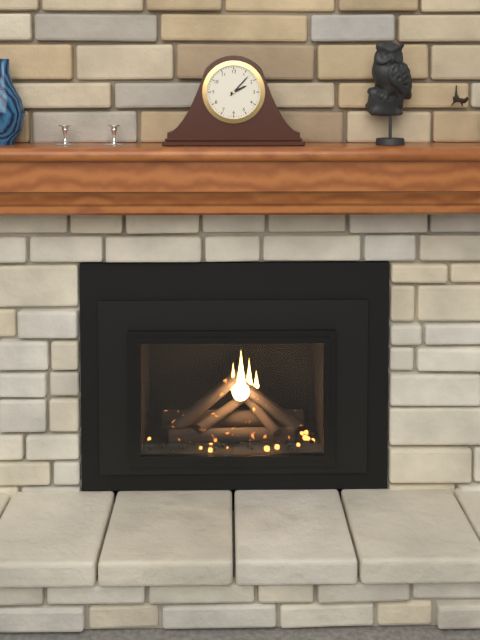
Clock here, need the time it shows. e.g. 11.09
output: 2.07
